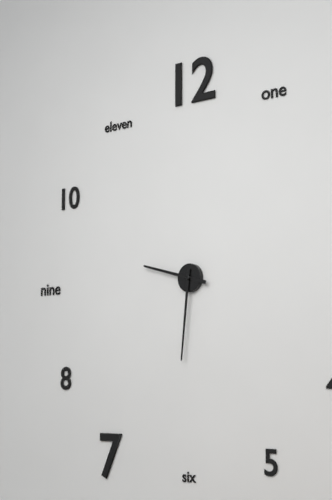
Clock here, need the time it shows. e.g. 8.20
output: 9.31
